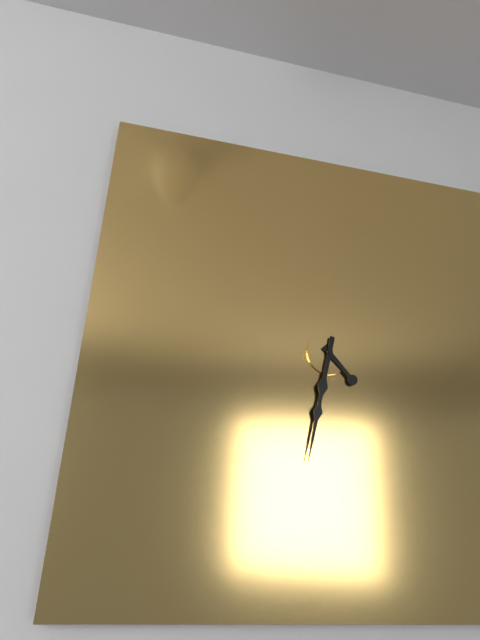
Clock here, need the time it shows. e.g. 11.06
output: 4.32
